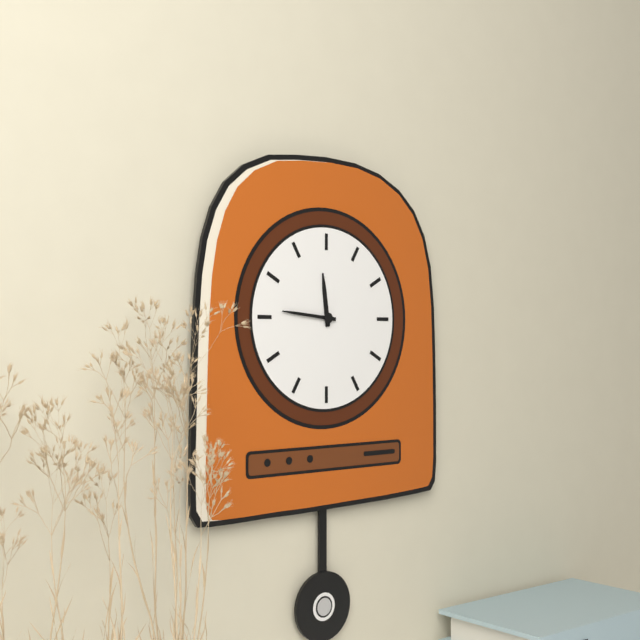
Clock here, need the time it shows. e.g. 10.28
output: 11.46
